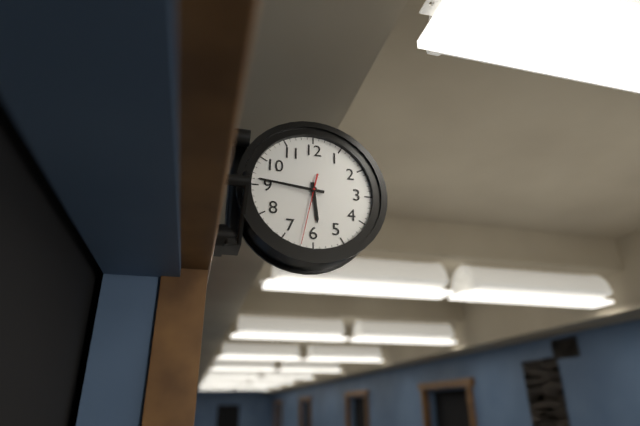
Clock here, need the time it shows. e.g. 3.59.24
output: 5.46.32
